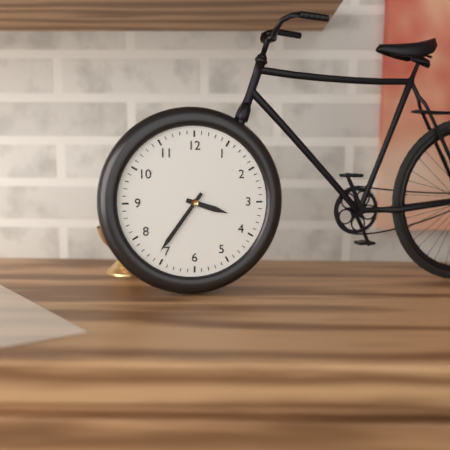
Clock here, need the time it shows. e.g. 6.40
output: 3.36
